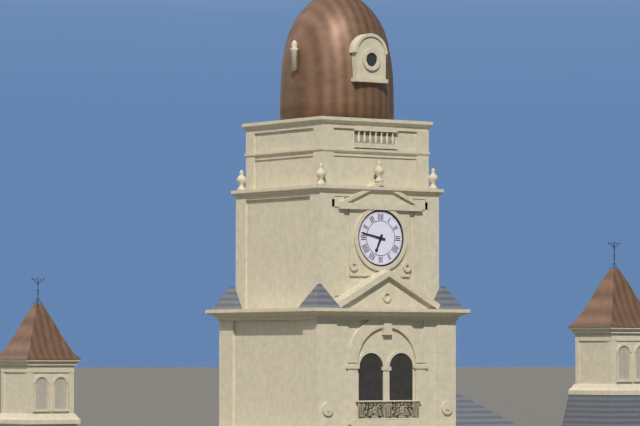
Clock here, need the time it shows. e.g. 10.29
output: 6.47
